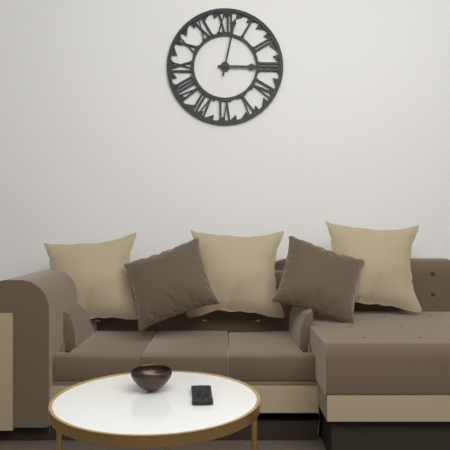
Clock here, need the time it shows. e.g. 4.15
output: 3.02
